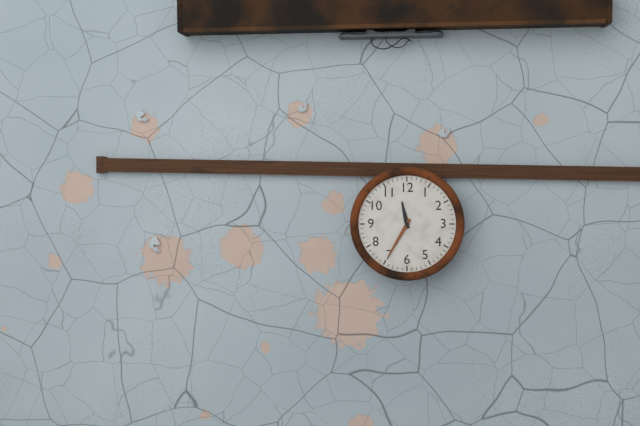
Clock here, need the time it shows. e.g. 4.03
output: 11.35
